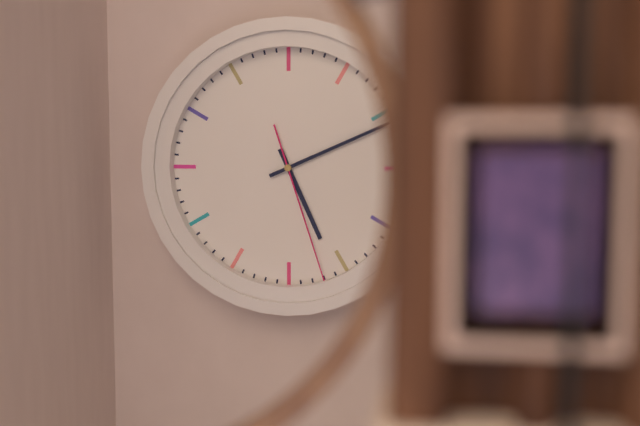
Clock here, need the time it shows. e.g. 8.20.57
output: 5.11.27
